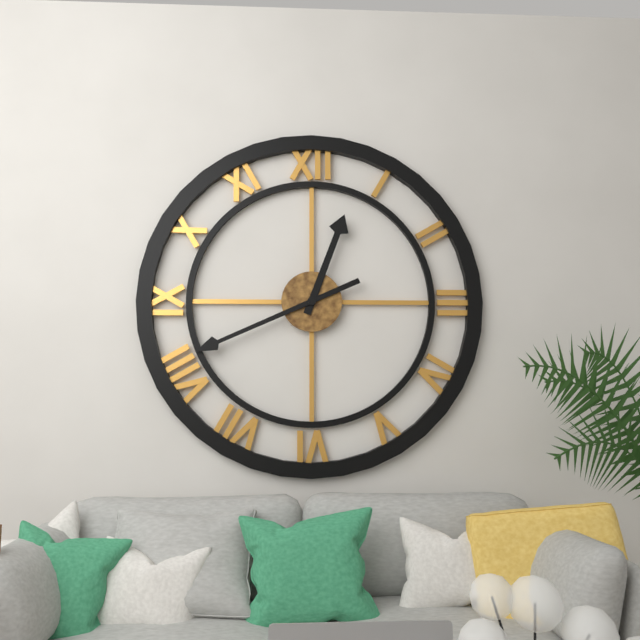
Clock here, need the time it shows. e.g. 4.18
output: 12.41
